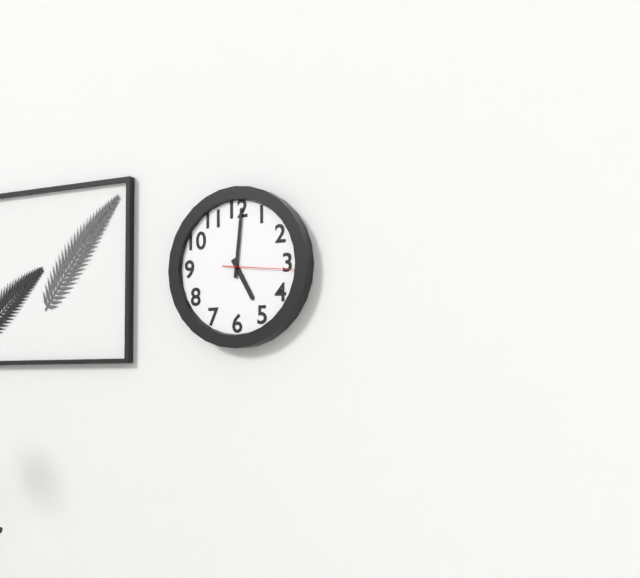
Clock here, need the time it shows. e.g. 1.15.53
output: 5.01.16
